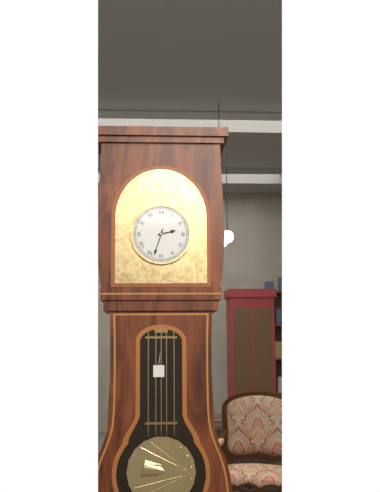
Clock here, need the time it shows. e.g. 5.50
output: 2.33
